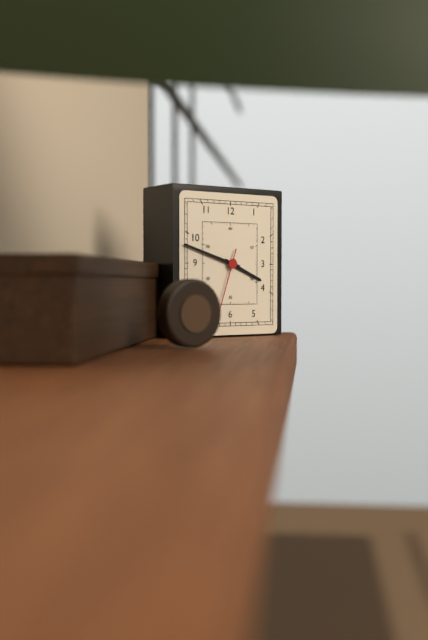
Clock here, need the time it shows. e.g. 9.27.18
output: 3.48.33
